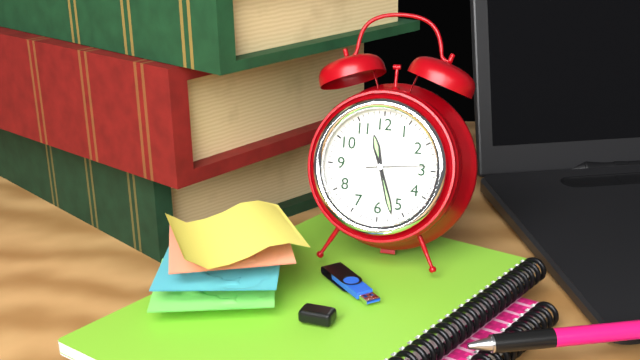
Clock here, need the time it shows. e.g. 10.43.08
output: 11.27.14
